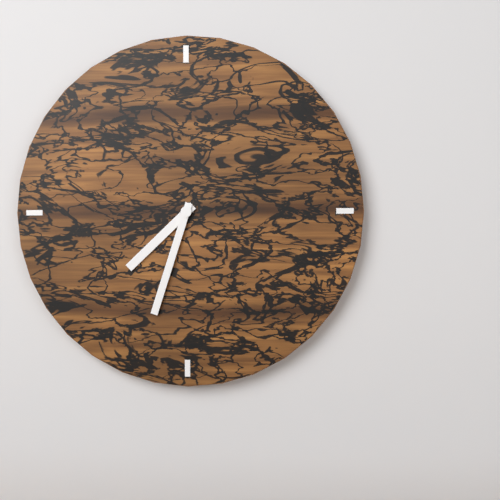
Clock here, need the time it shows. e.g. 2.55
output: 7.33
